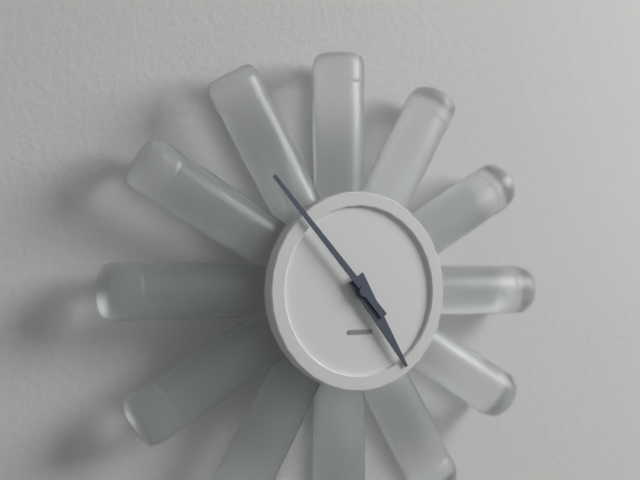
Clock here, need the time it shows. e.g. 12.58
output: 4.53
